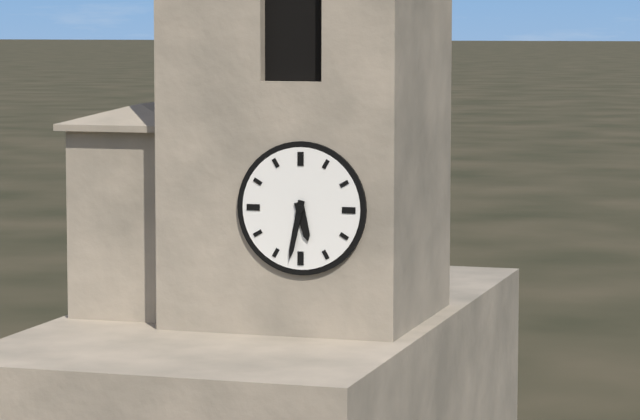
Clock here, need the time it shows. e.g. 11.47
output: 5.32
